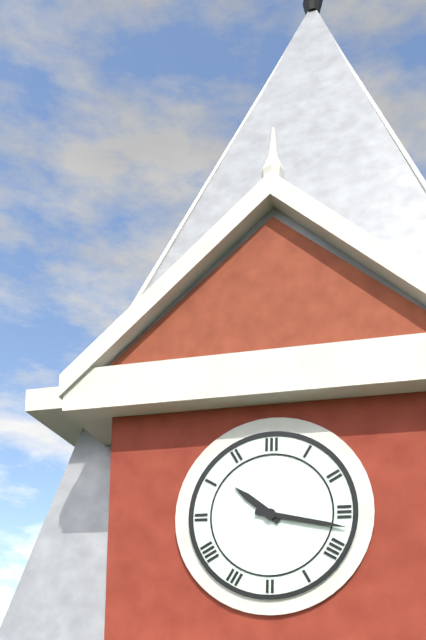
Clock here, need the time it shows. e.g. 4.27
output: 10.17
